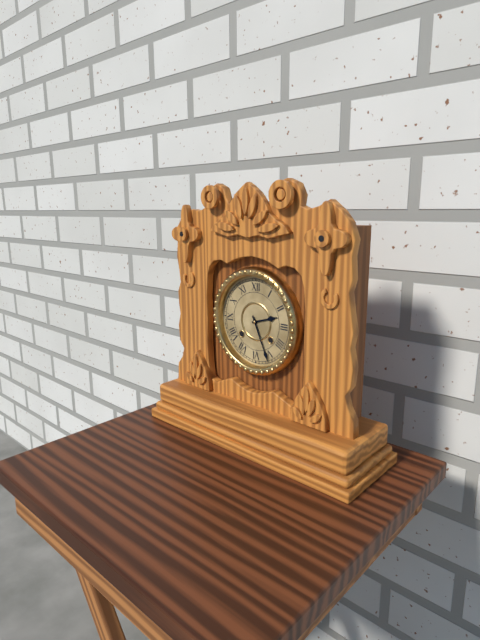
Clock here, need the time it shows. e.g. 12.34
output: 2.26
